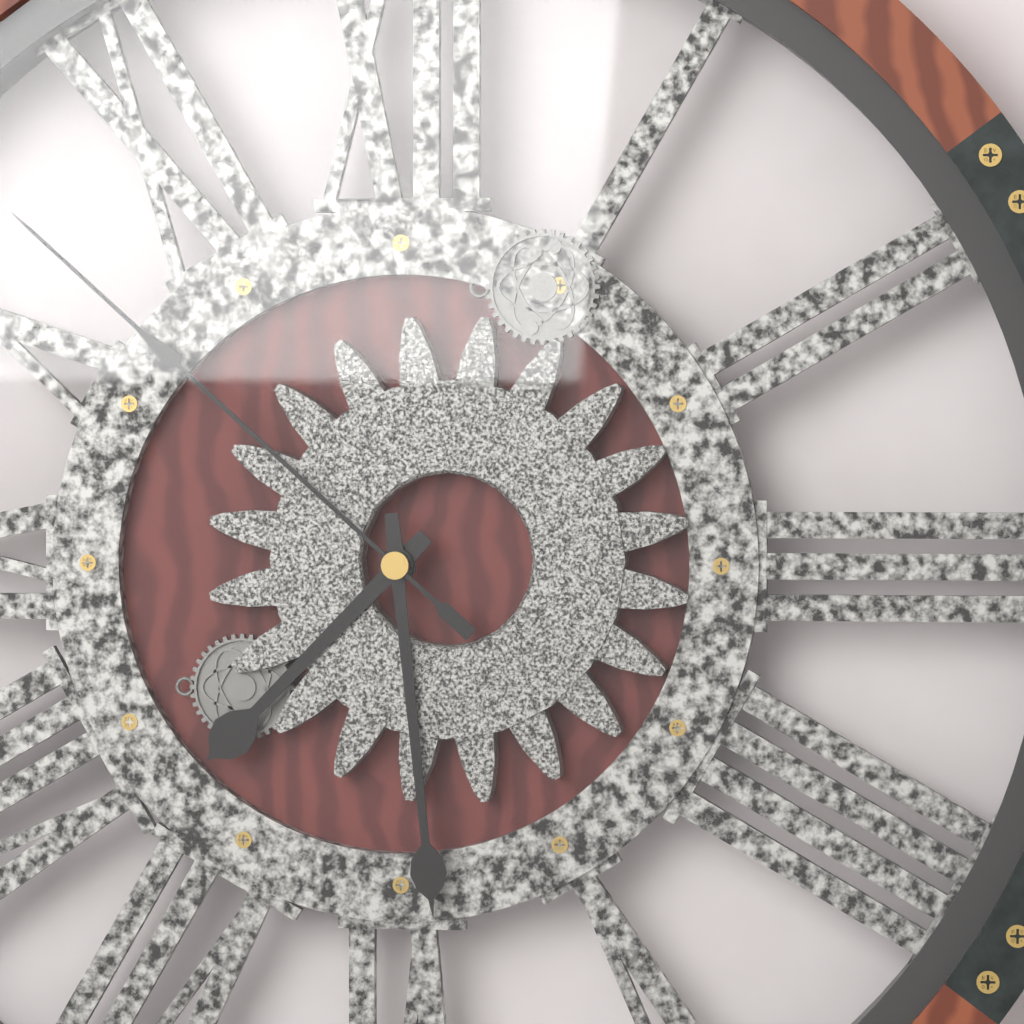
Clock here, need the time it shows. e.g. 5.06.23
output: 7.29.52
